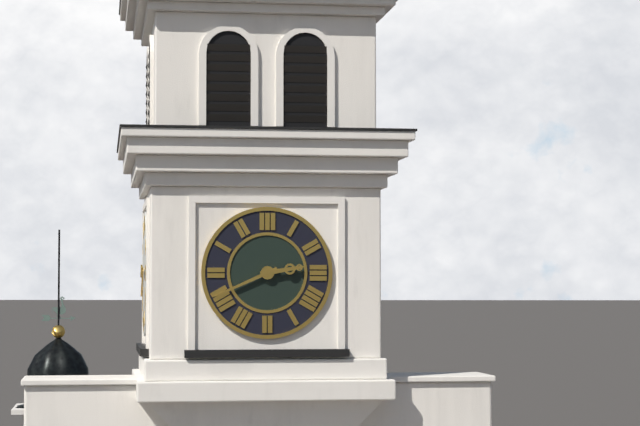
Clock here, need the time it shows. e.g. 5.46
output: 2.41
